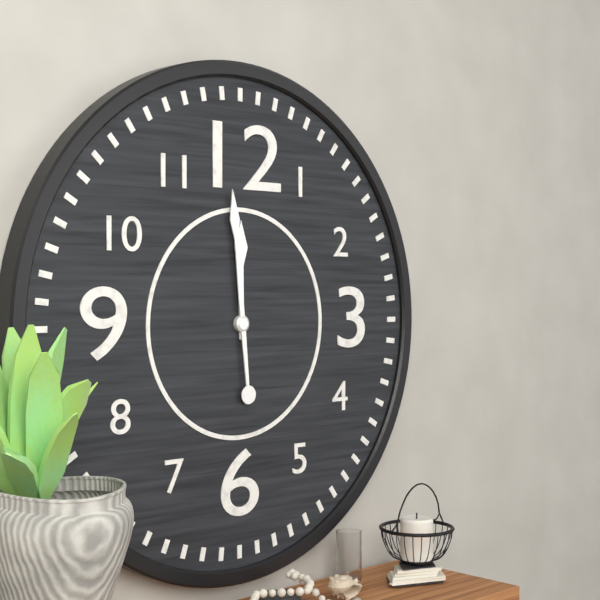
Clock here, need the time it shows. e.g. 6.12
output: 11.59
